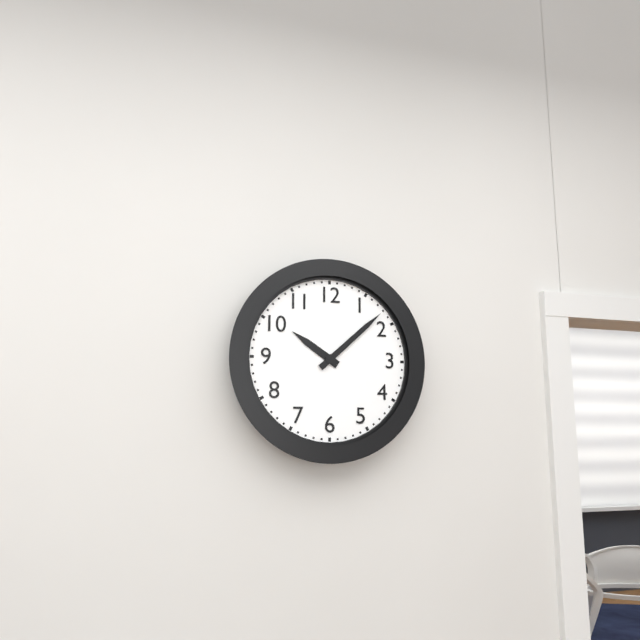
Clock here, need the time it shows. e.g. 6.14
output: 10.08
